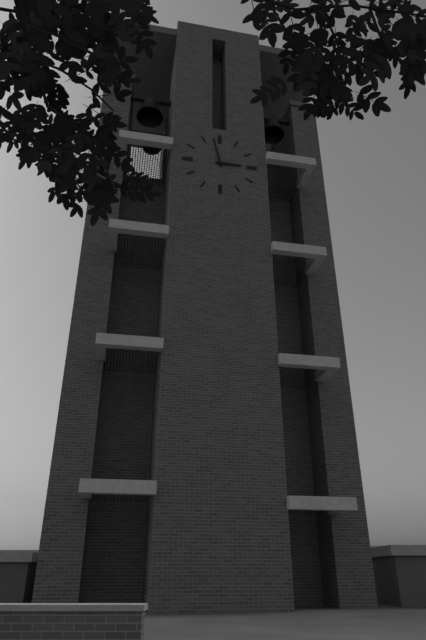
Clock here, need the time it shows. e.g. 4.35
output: 2.58
